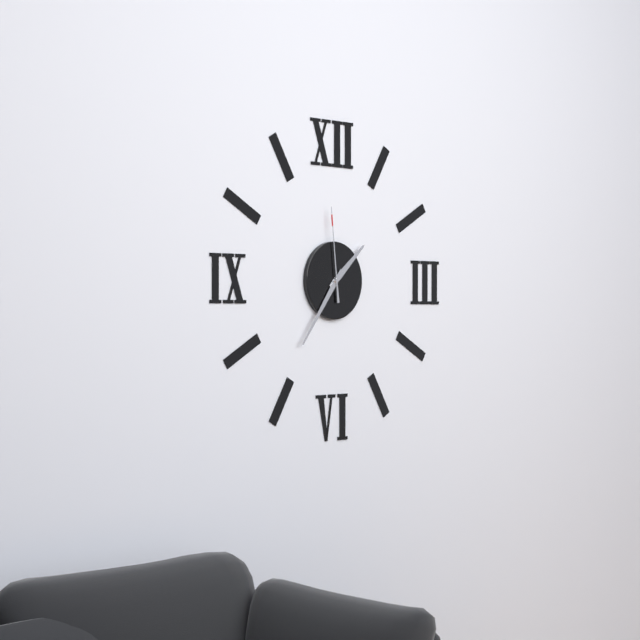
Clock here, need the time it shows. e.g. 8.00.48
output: 1.36.59
